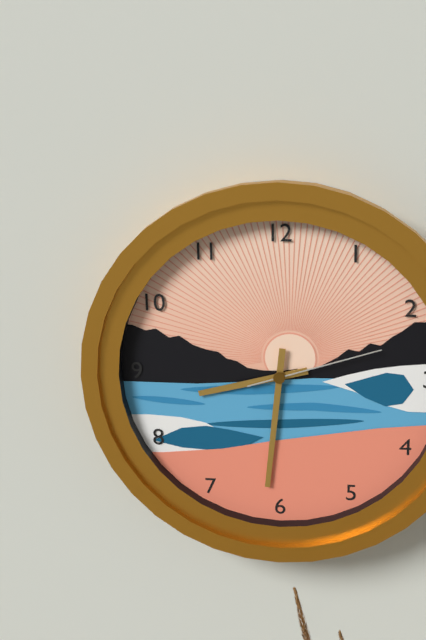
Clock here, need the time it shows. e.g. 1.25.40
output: 8.31.12
